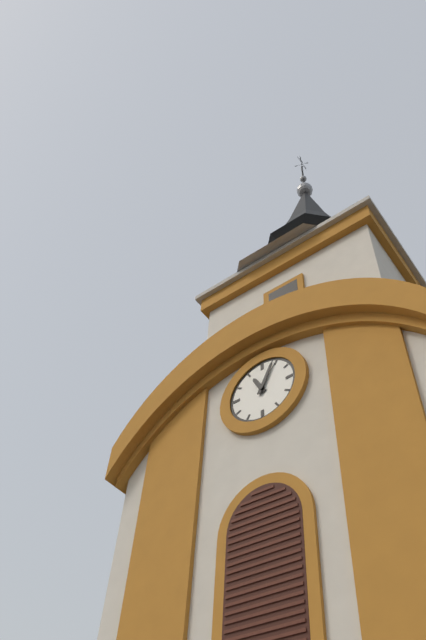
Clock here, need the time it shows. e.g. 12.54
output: 11.04
